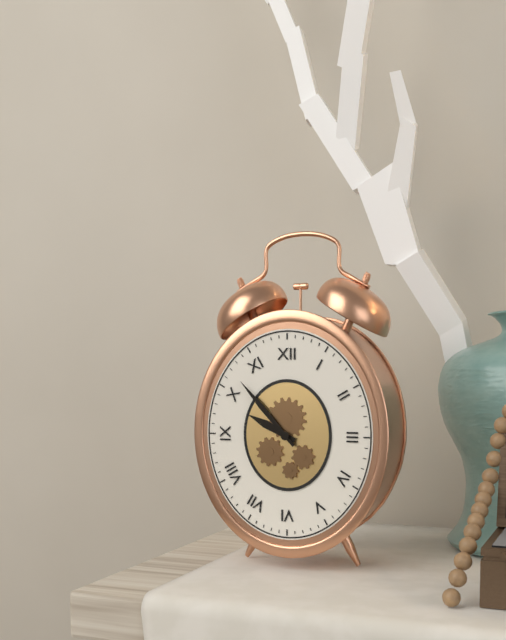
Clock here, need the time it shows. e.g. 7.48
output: 9.53
